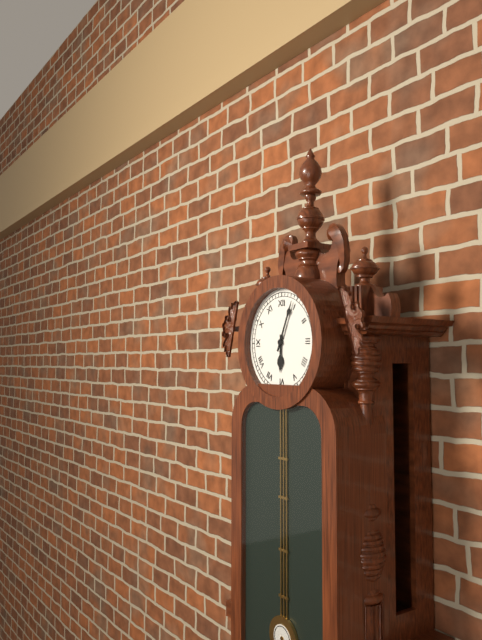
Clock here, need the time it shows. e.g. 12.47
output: 6.04
